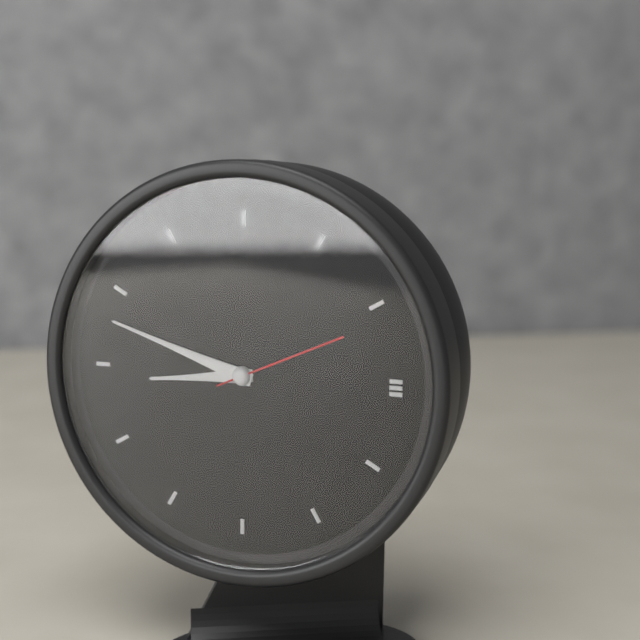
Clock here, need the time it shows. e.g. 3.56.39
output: 8.48.11
